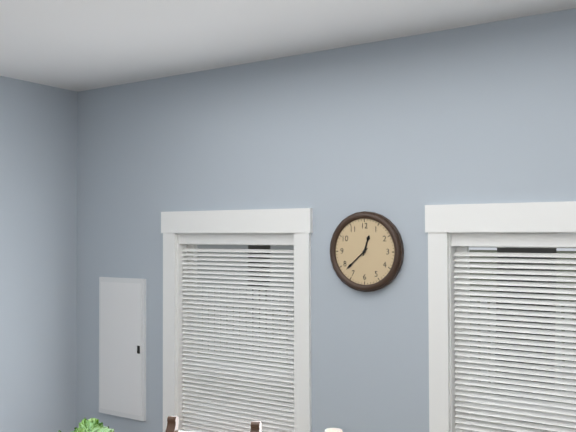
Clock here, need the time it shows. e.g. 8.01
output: 12.38
